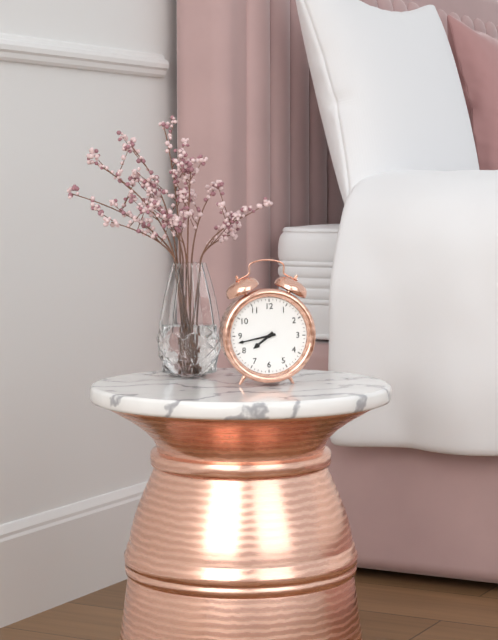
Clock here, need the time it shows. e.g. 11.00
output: 7.43
